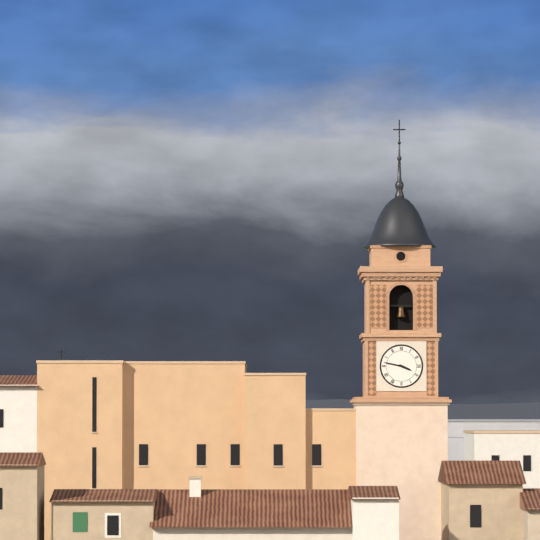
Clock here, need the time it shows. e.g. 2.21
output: 3.47
